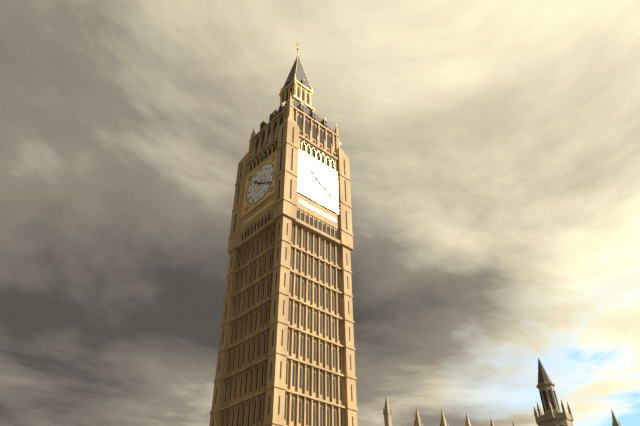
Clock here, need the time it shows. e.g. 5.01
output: 10.20
